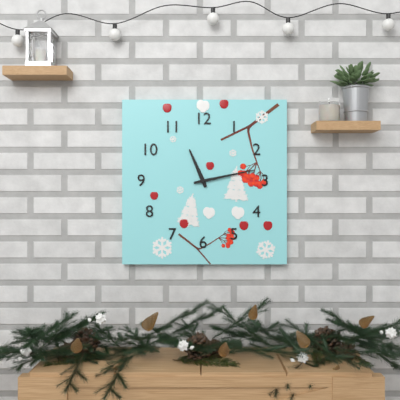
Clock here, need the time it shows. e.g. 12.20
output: 11.13
